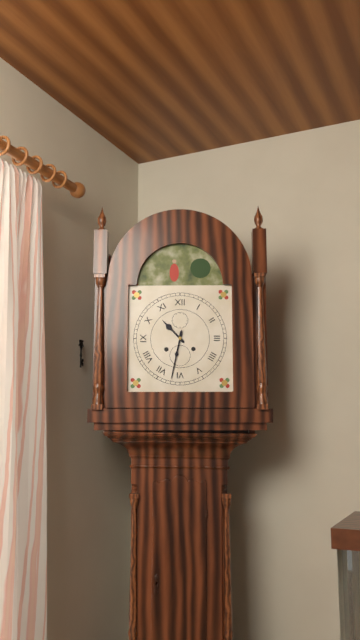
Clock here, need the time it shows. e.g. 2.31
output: 10.32
